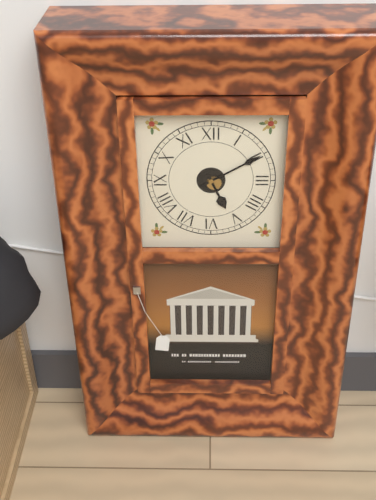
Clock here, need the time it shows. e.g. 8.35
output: 5.10
